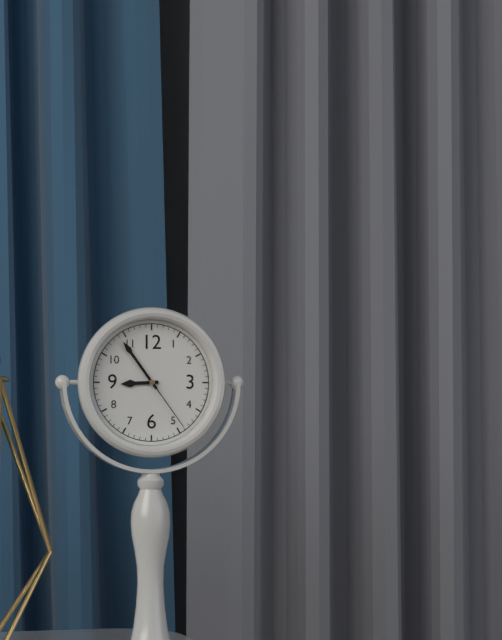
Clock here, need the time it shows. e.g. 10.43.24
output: 8.54.24
